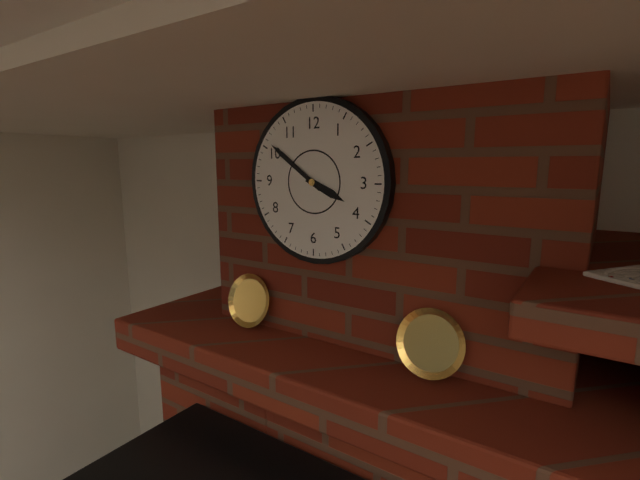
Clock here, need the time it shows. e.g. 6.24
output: 3.51
